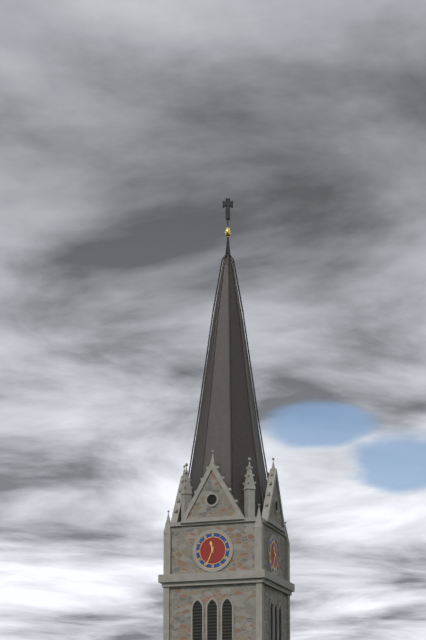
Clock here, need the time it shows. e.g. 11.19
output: 11.34
